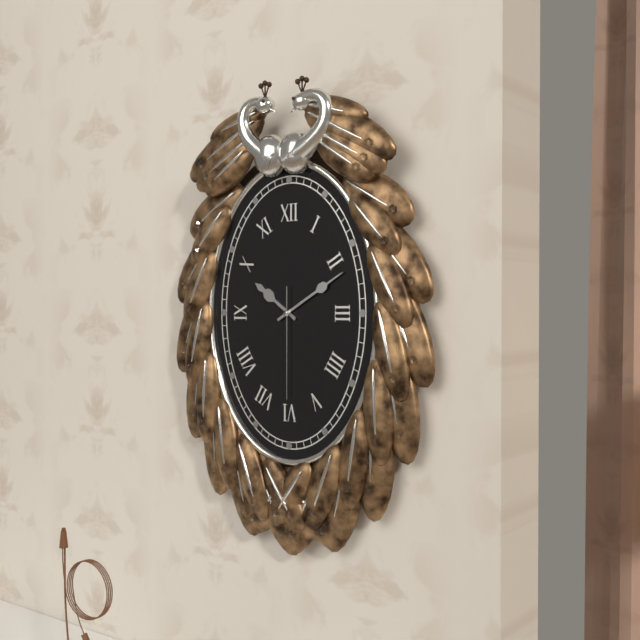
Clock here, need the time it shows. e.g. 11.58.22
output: 10.10.30
